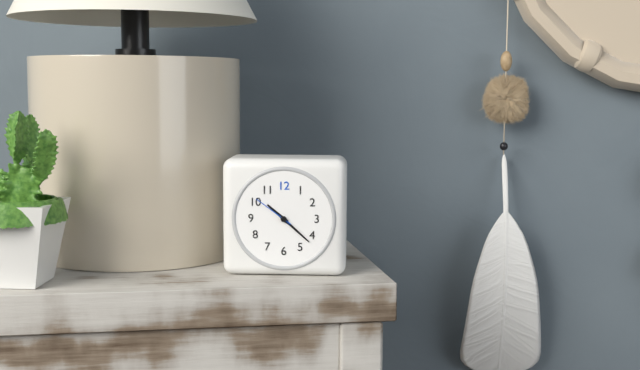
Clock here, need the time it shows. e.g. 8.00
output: 10.22
